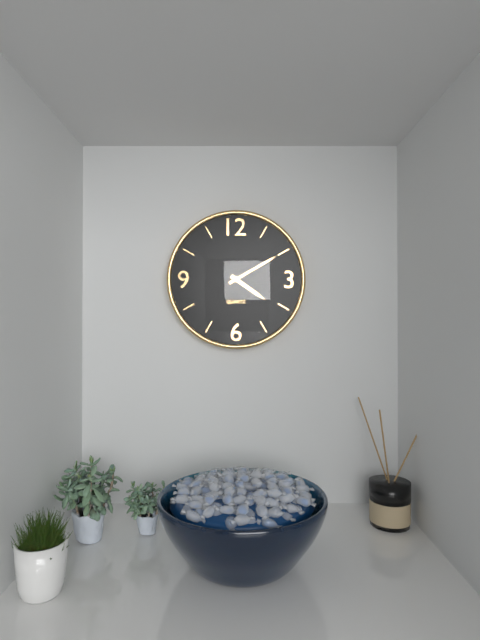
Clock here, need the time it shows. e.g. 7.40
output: 4.10
